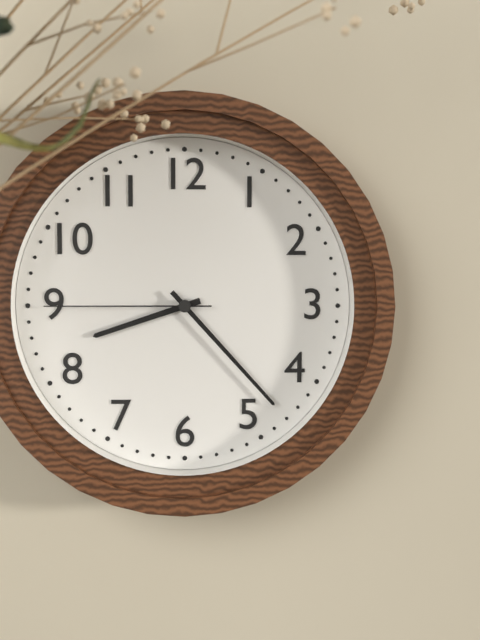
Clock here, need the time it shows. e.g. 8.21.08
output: 8.23.45
